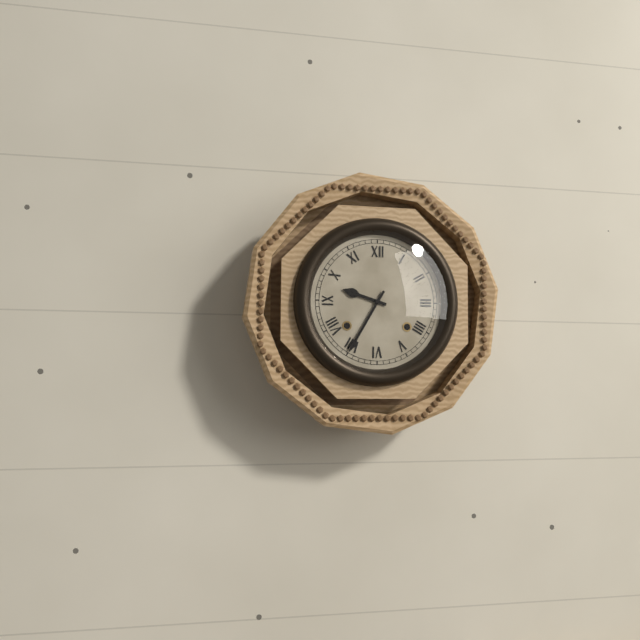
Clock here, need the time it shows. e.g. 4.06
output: 9.35
